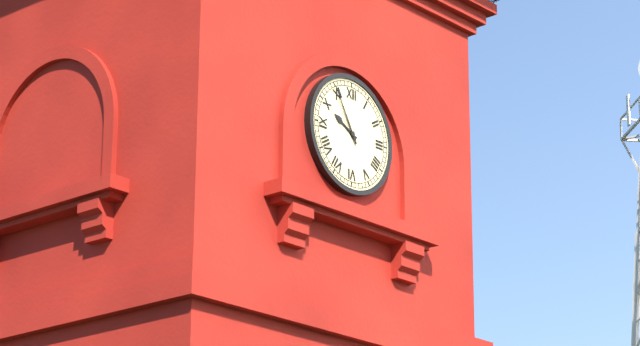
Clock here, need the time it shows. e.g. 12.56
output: 9.55
